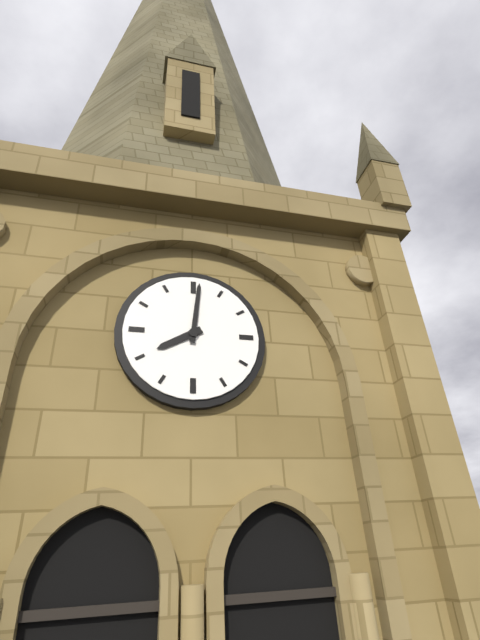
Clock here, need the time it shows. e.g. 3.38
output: 8.01
